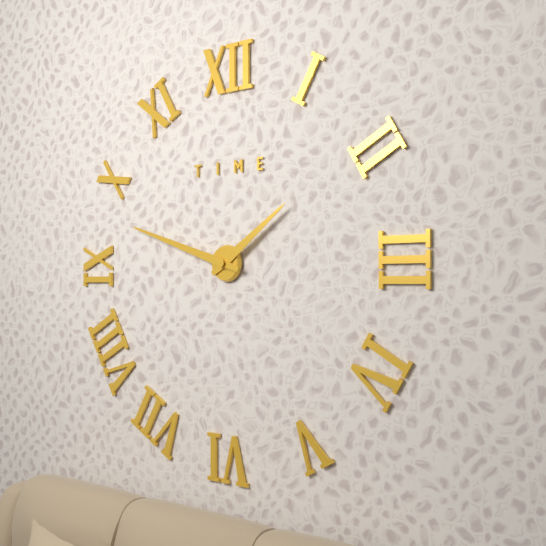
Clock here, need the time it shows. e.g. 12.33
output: 1.48
